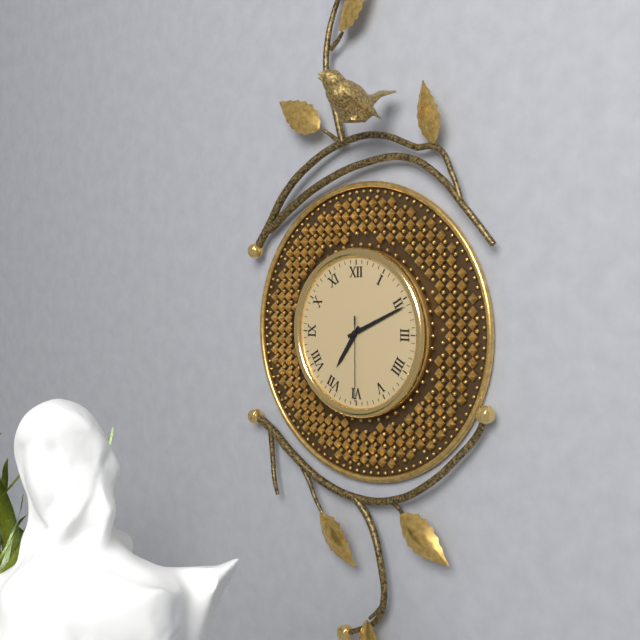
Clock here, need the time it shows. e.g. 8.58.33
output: 7.11.30
